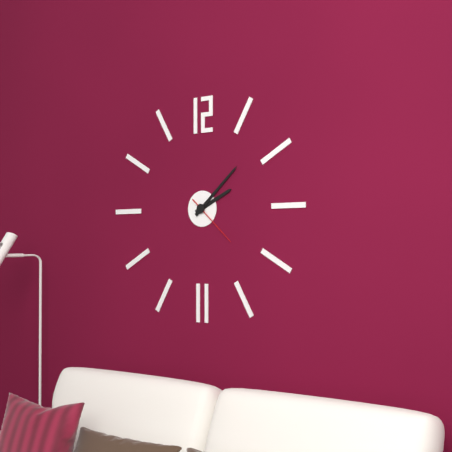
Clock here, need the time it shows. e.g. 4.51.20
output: 2.08.22
